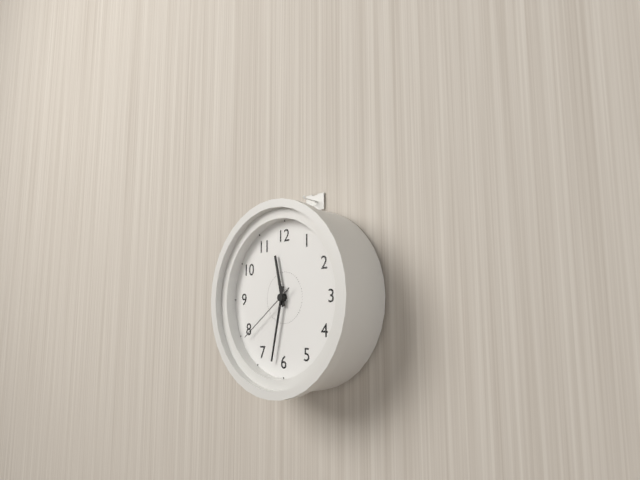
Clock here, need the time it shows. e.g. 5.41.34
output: 11.32.39
